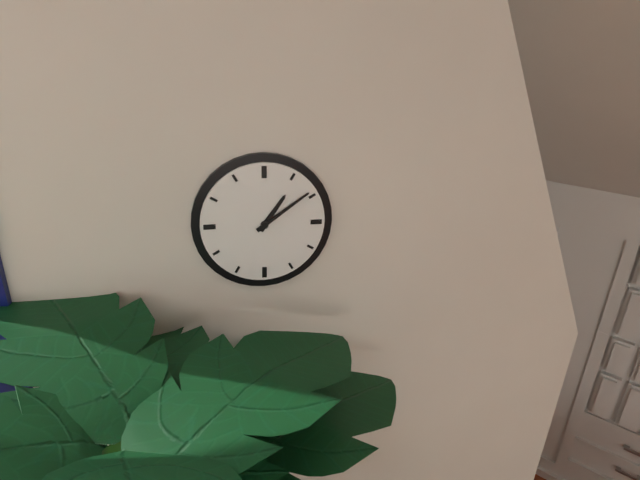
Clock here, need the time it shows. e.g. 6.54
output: 1.09
